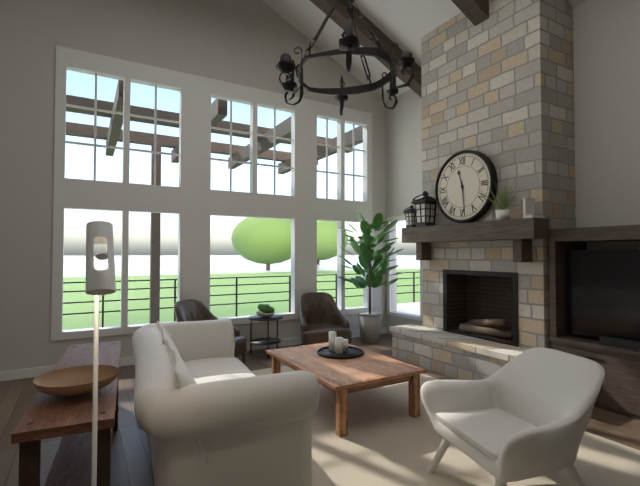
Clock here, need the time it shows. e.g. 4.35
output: 11.29
